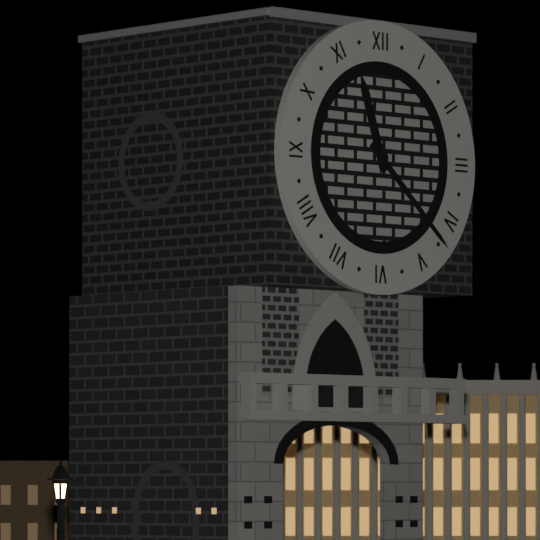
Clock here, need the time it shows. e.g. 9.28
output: 11.22
